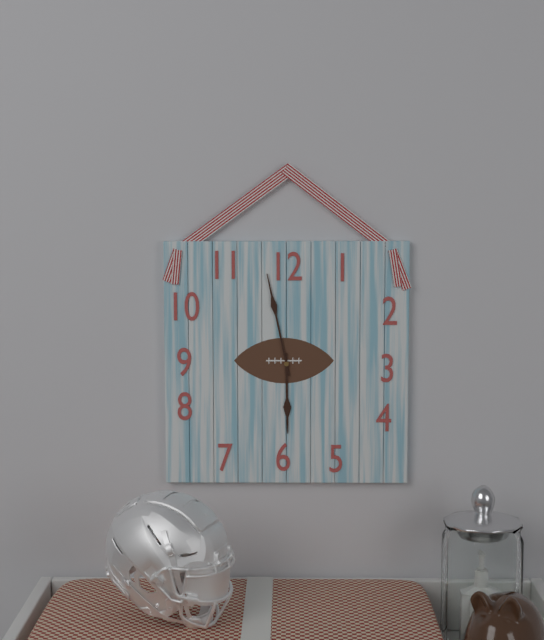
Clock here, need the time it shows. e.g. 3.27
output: 5.58
